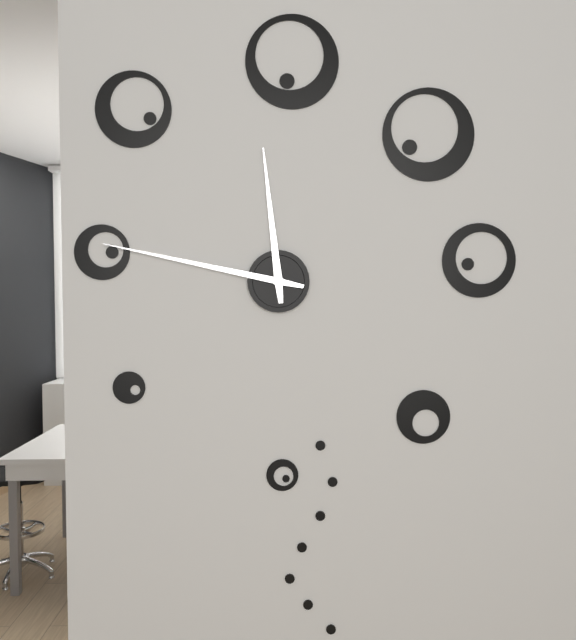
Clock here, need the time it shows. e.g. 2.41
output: 11.47
